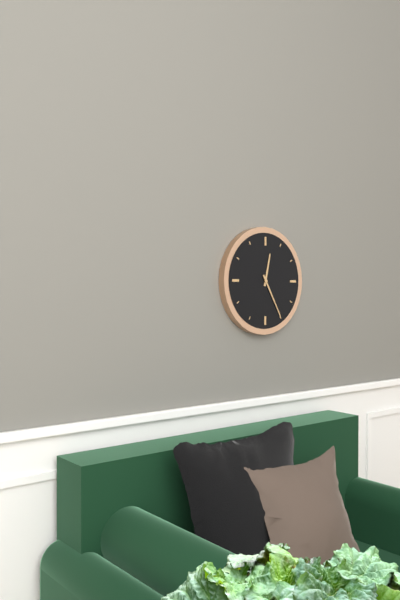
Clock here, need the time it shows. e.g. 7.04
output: 12.25
